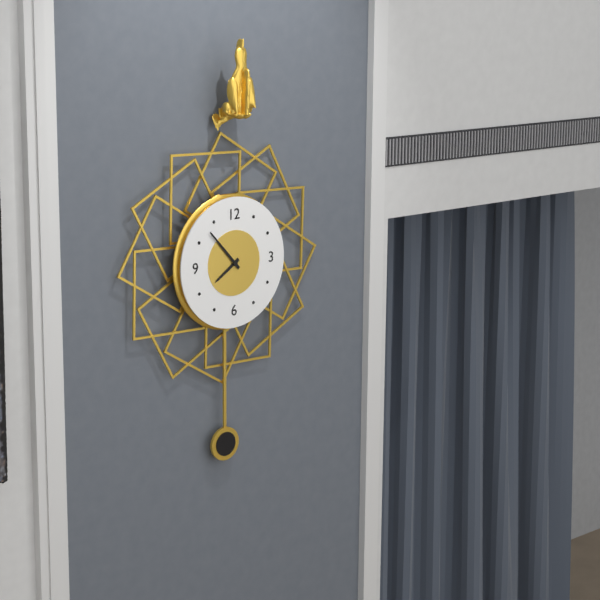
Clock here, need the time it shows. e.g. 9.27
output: 7.53
